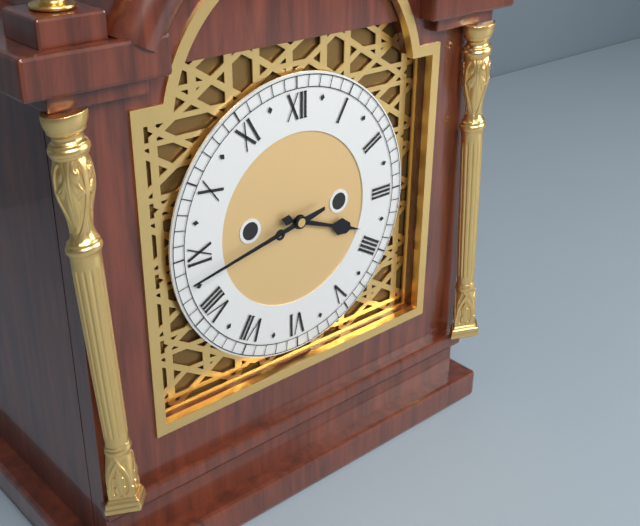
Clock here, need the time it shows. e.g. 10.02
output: 3.43
